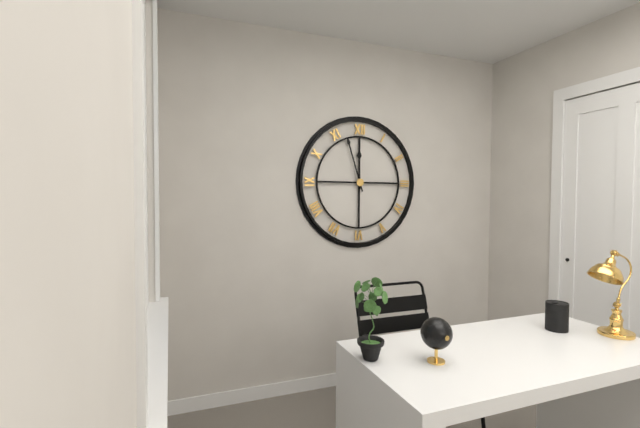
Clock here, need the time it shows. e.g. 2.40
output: 11.57
